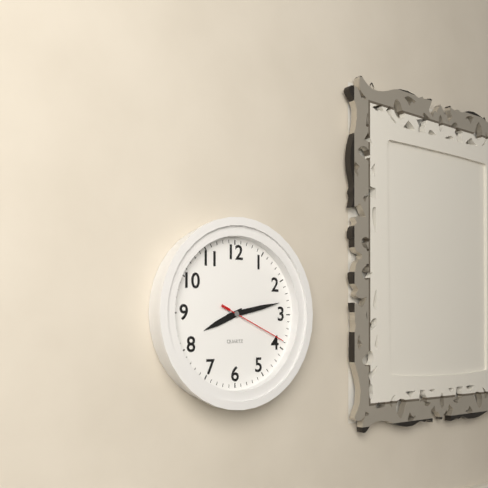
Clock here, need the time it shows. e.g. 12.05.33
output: 8.13.19
